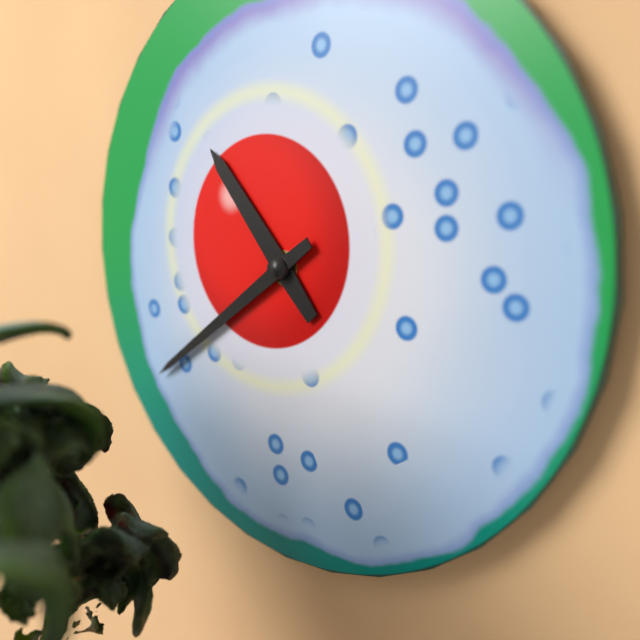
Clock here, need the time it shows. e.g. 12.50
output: 10.39
